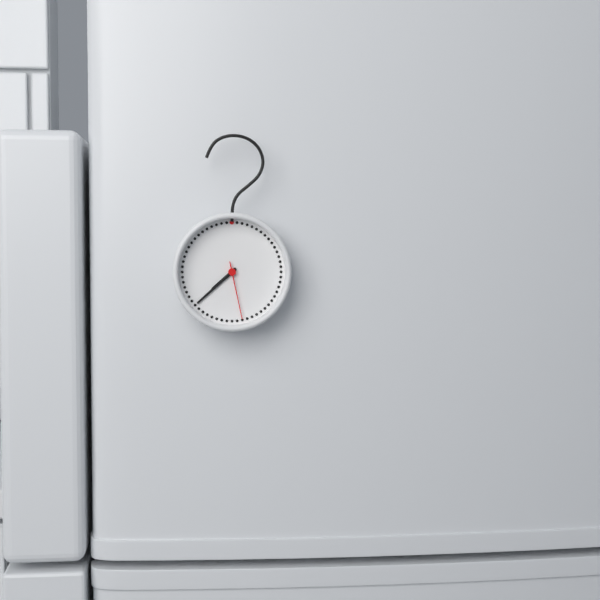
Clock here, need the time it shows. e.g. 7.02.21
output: 7.38.28
